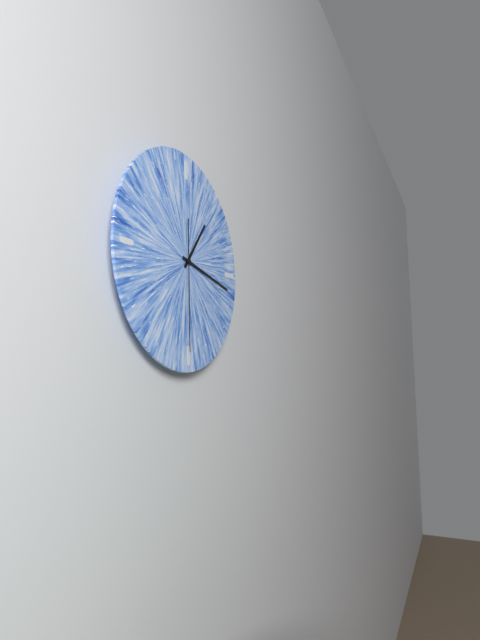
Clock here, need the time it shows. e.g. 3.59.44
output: 1.17.30
